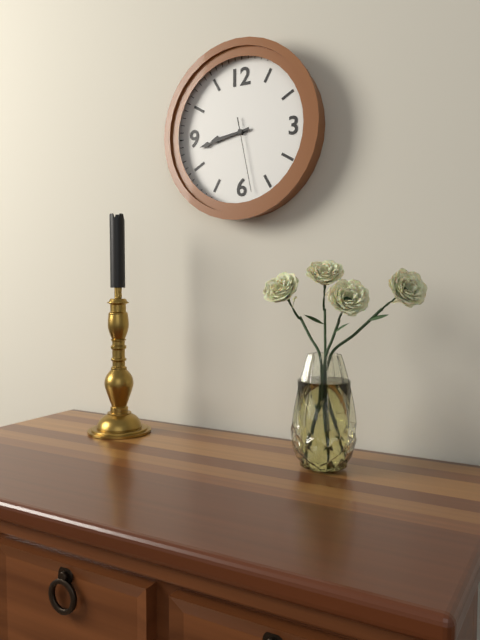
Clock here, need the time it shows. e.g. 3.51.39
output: 8.43.28
